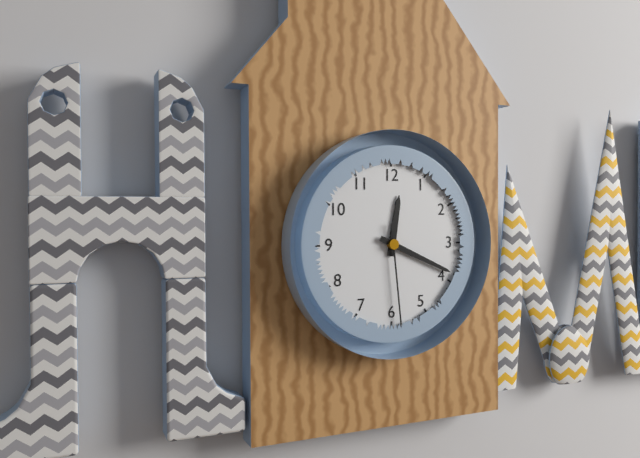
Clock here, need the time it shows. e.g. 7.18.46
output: 12.19.29
